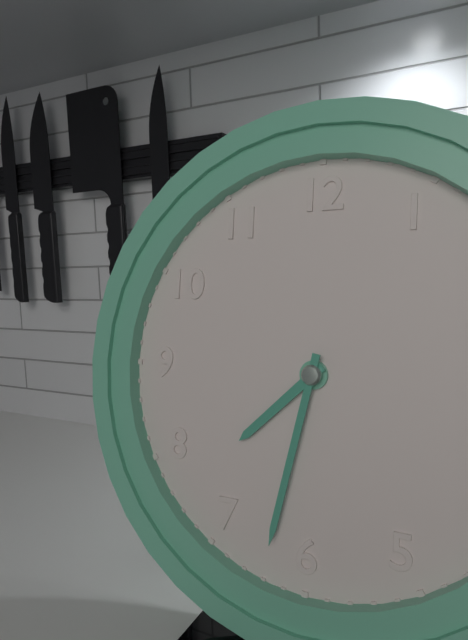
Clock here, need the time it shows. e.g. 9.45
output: 7.32
